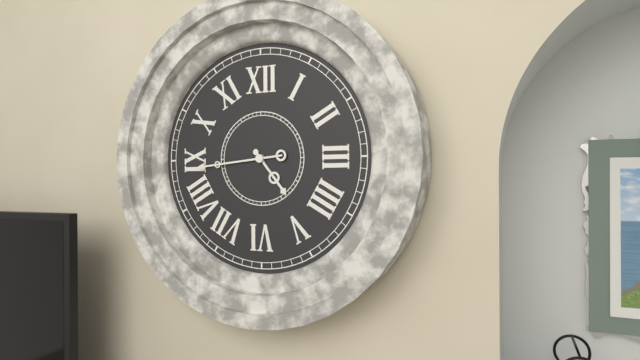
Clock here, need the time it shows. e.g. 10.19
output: 4.44
